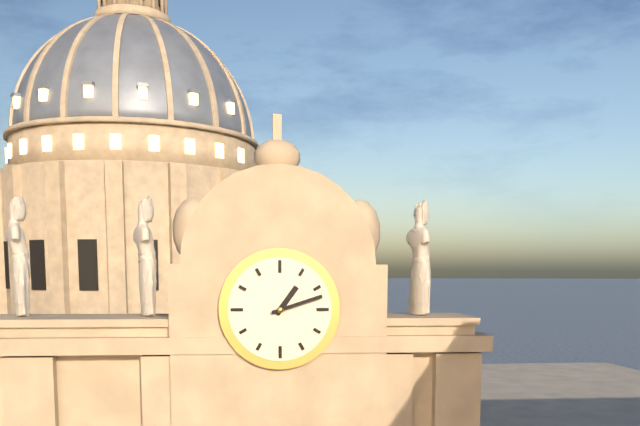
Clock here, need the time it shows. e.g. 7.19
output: 1.12
